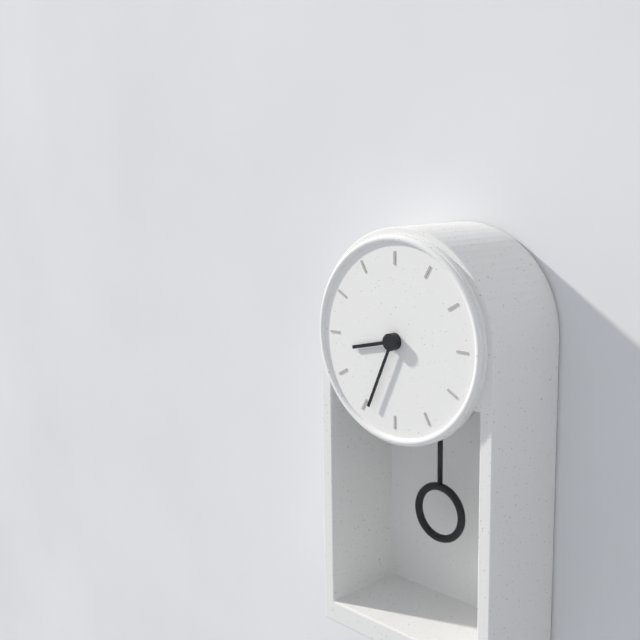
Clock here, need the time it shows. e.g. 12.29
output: 8.34
